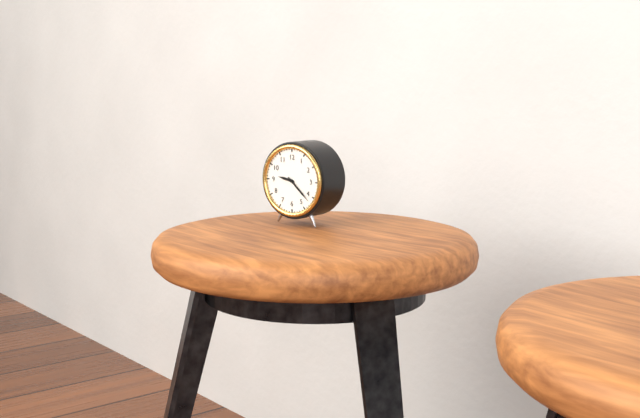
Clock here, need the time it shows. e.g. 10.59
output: 9.22
